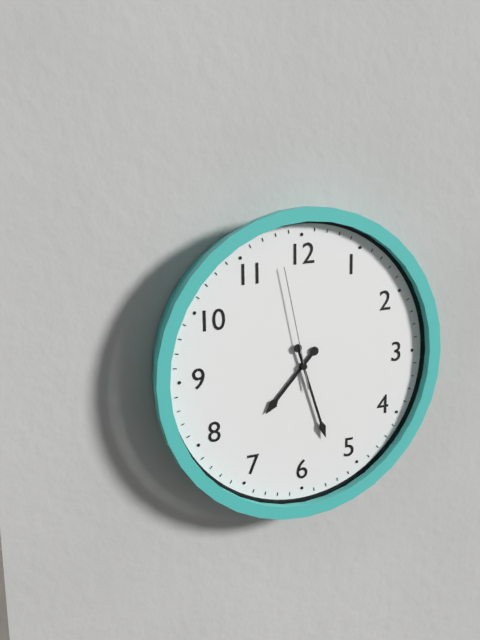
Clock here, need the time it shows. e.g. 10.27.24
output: 7.27.58
